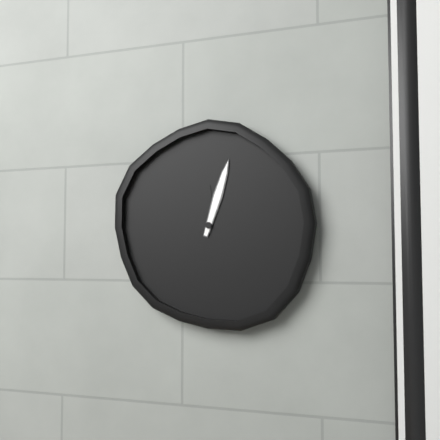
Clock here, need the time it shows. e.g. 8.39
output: 12.03
